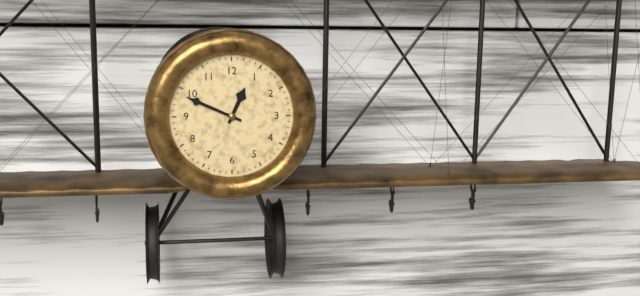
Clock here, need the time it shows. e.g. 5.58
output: 12.49
